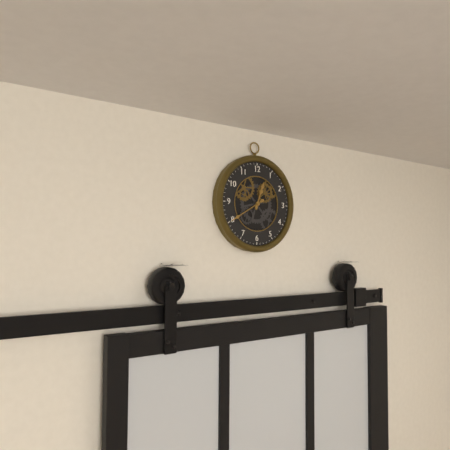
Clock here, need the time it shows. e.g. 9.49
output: 12.40
